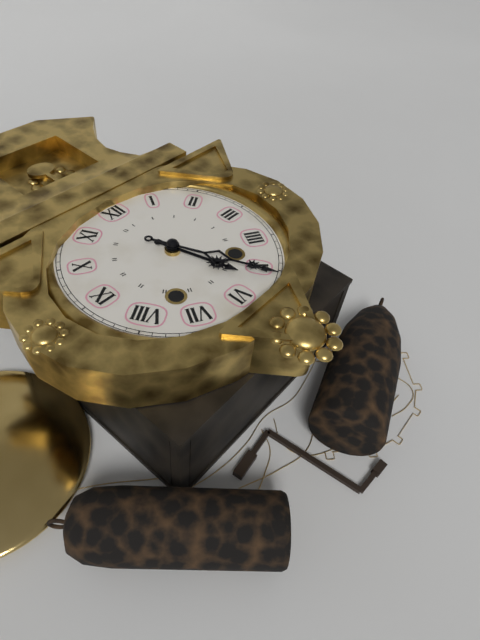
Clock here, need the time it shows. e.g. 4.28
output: 5.26
